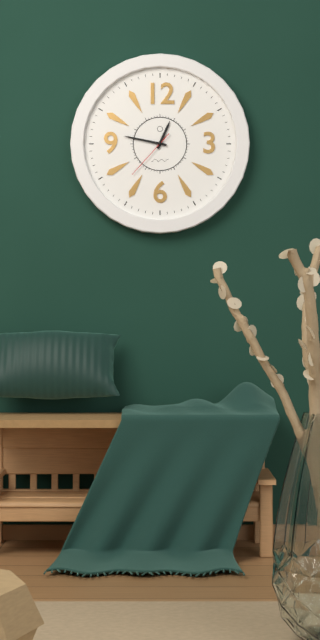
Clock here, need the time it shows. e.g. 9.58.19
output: 12.47.37
